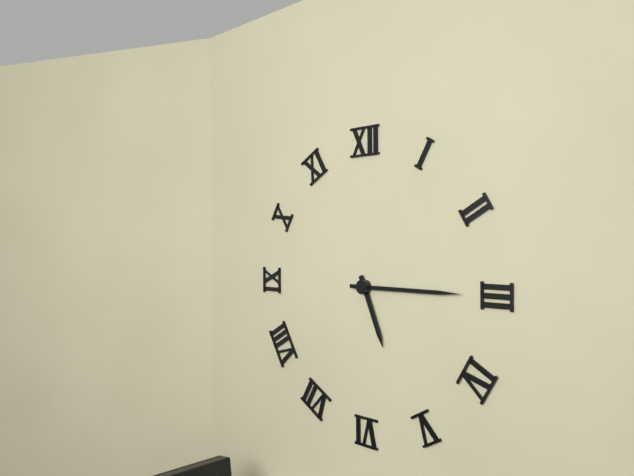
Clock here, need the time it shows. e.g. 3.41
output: 5.15
